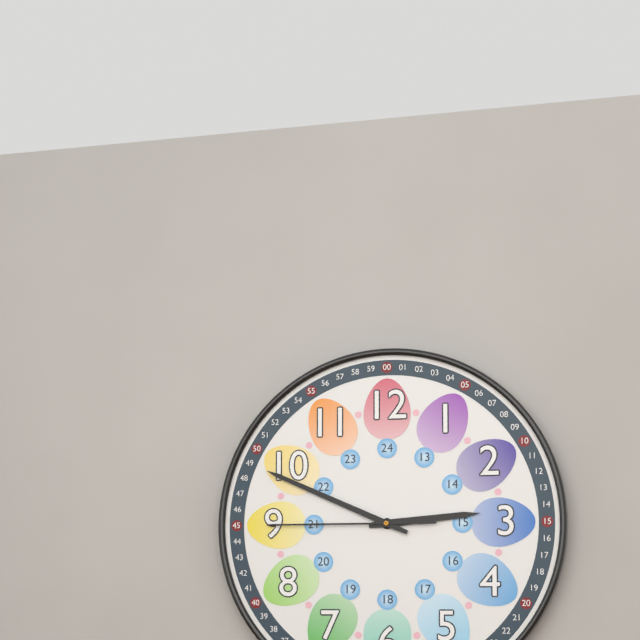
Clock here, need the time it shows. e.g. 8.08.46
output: 2.49.45
